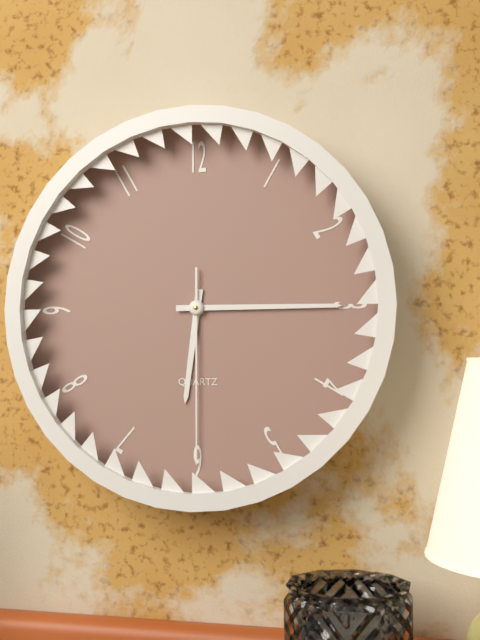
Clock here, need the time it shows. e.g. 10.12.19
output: 6.15.30
